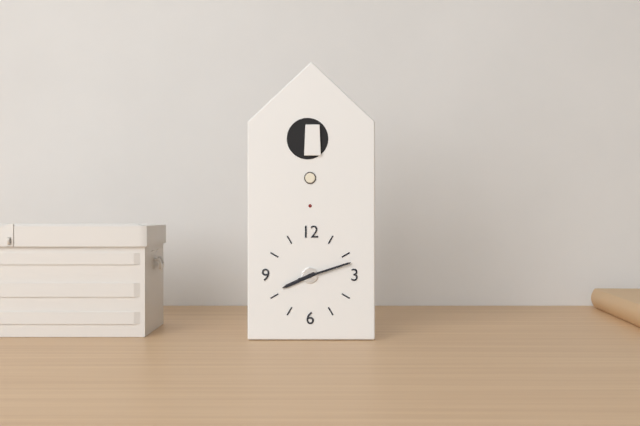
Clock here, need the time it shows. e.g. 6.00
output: 8.12
